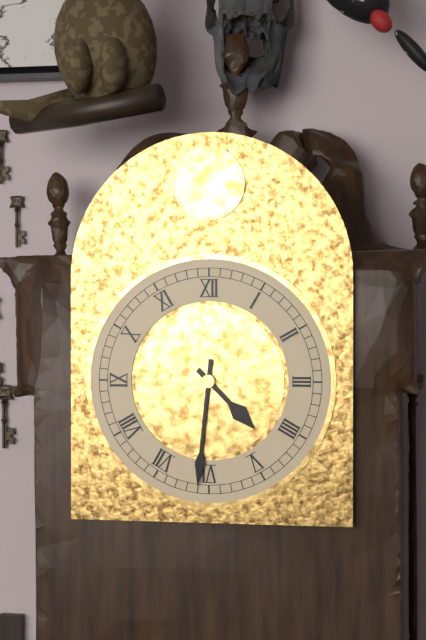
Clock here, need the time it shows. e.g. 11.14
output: 4.31
